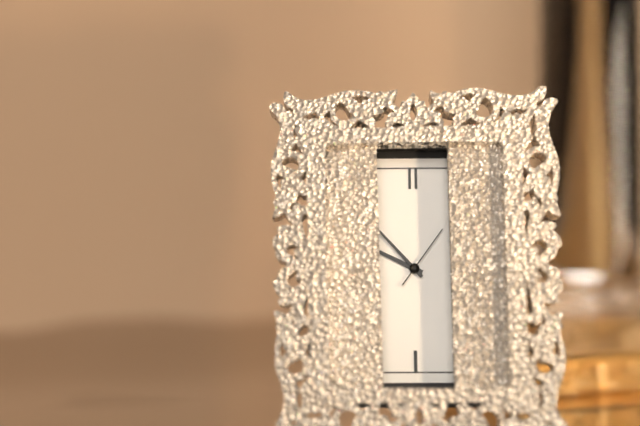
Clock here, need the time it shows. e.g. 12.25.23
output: 9.53.06
